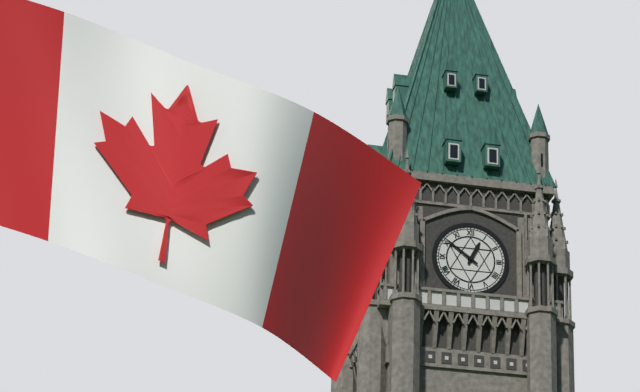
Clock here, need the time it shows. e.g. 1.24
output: 12.51
